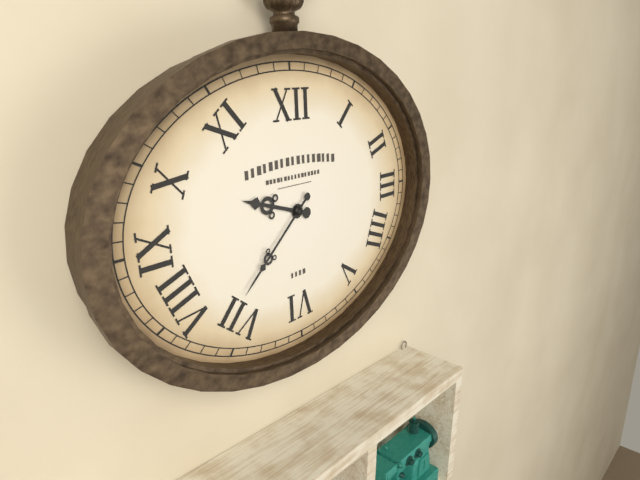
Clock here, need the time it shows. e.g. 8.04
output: 9.38
